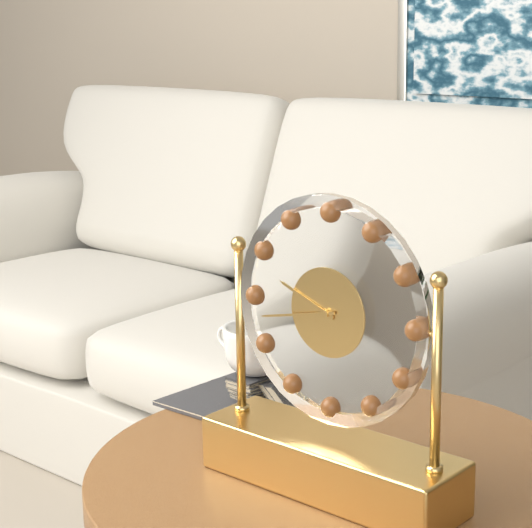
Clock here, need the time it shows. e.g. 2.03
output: 9.43
